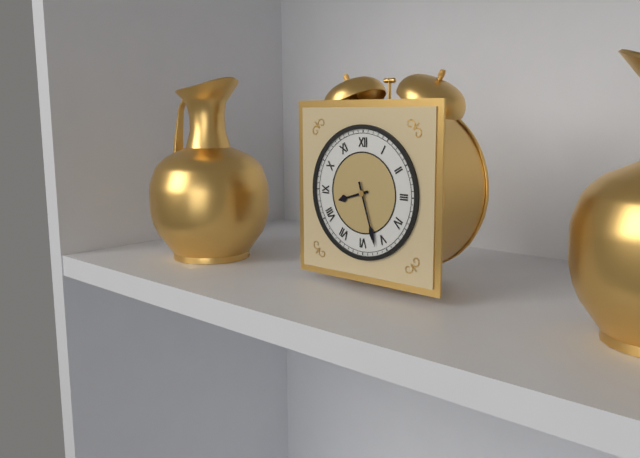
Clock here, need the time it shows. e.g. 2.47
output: 8.27
